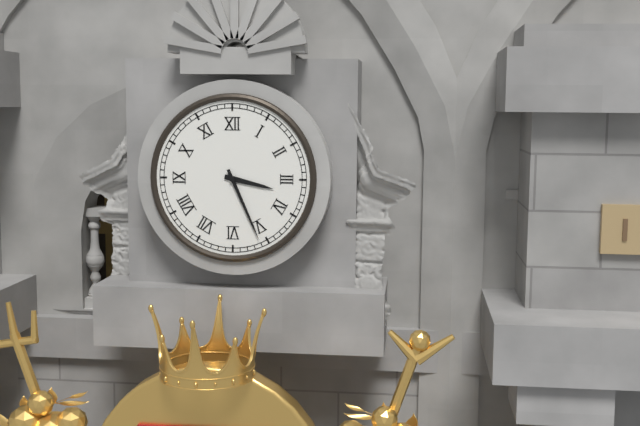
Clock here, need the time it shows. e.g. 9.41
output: 3.26
